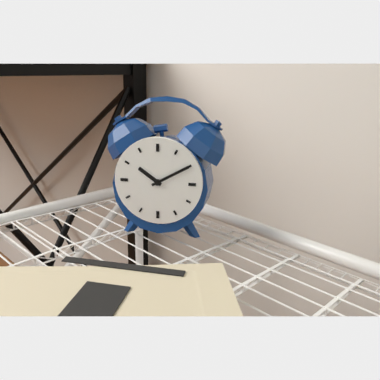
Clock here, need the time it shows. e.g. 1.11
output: 10.10
